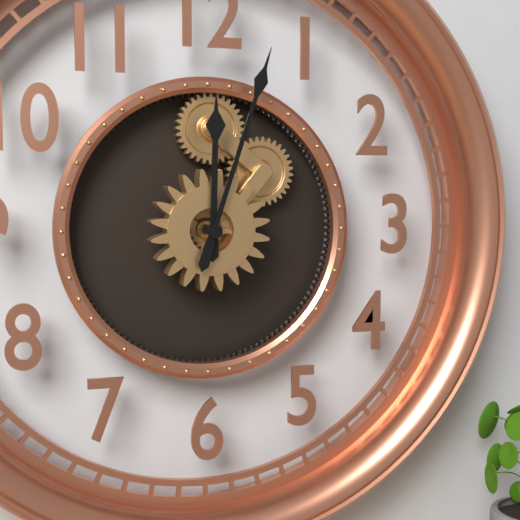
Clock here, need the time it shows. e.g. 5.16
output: 12.03
